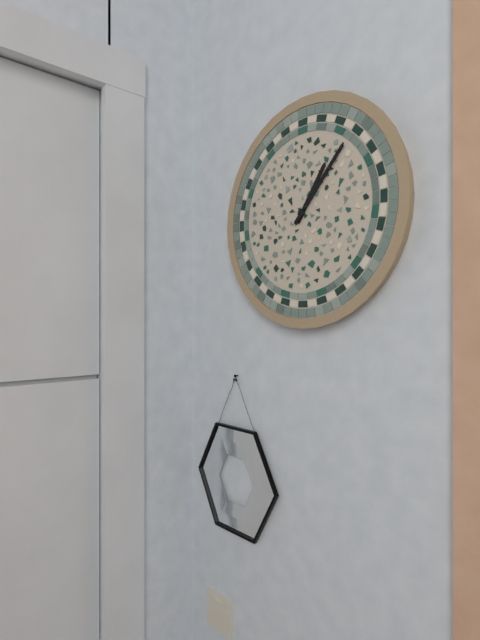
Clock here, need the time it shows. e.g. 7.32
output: 1.07
